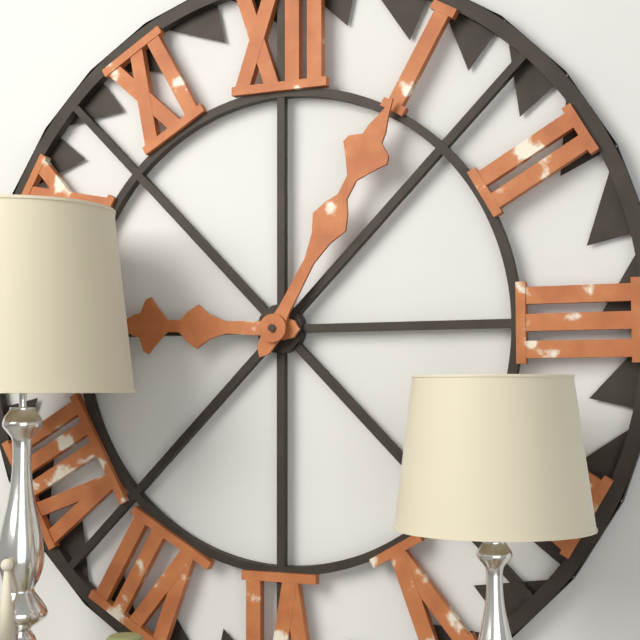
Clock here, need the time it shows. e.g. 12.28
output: 9.05
